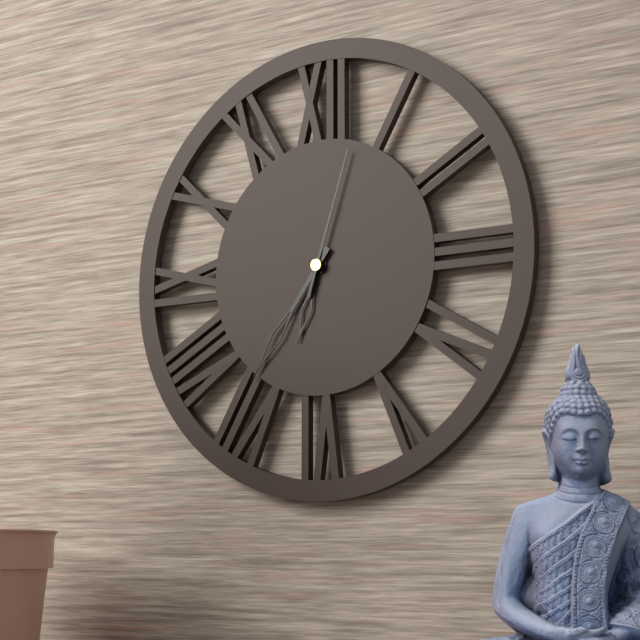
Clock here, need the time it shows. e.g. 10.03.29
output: 6.36.03
